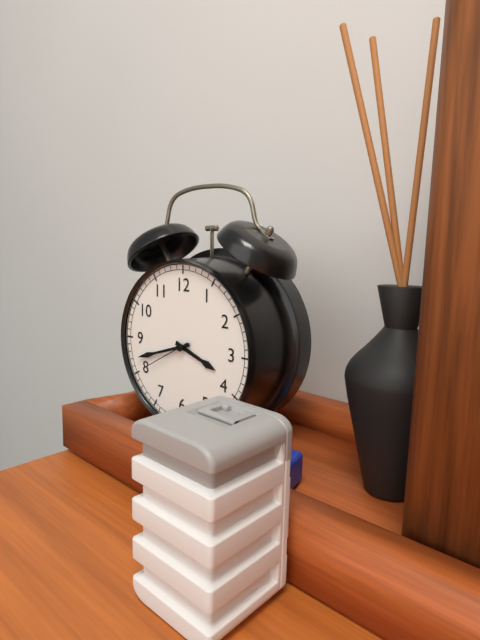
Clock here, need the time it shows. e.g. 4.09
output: 3.42
